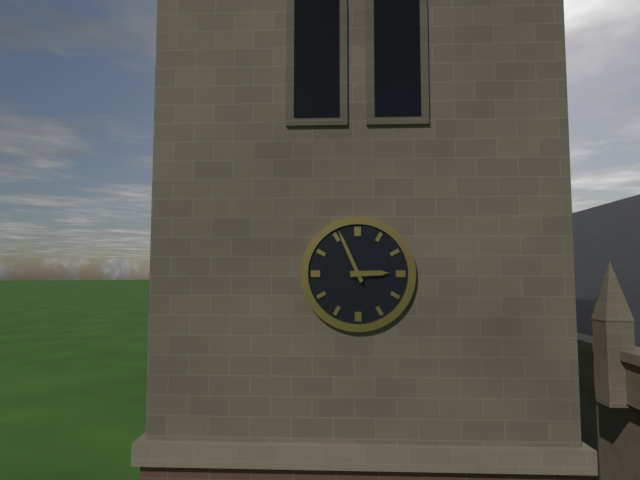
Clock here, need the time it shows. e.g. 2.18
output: 2.56
